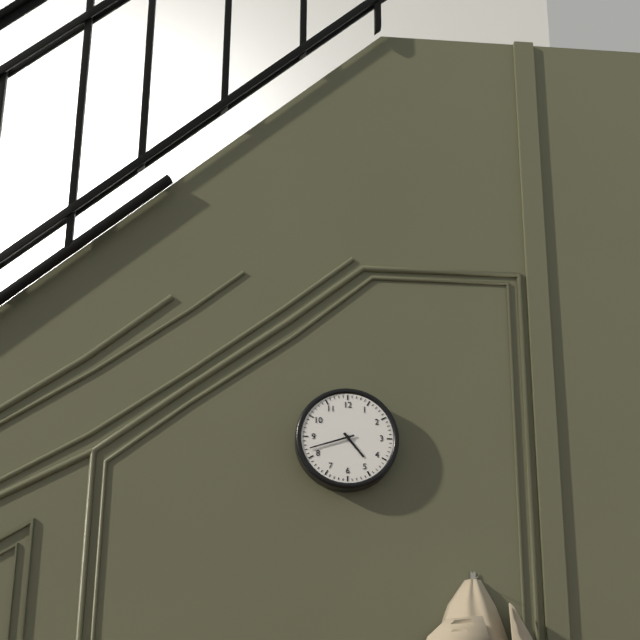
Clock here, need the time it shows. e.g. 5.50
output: 4.42
